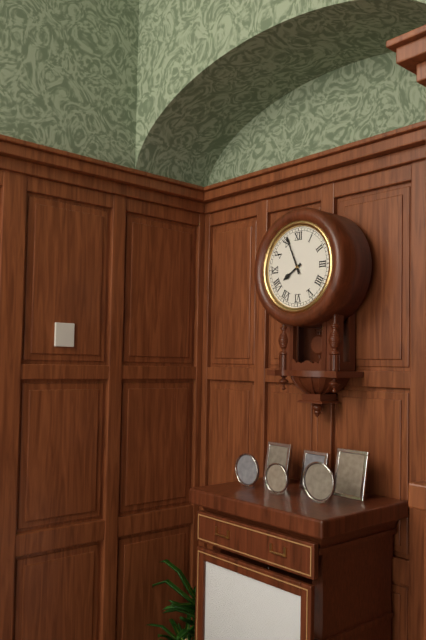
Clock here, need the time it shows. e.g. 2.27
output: 7.56
